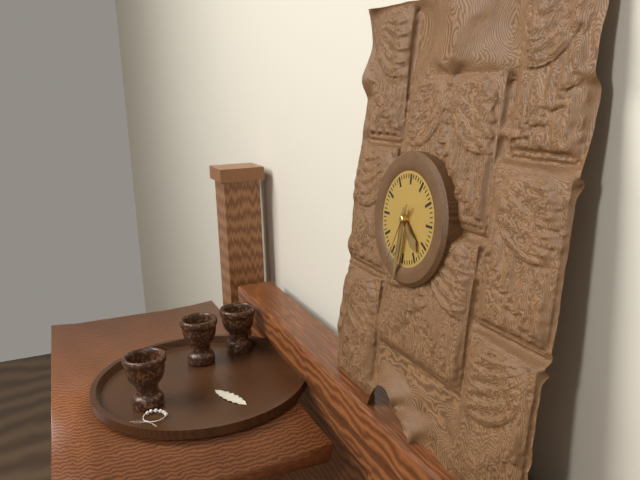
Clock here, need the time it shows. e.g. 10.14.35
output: 4.31.34
